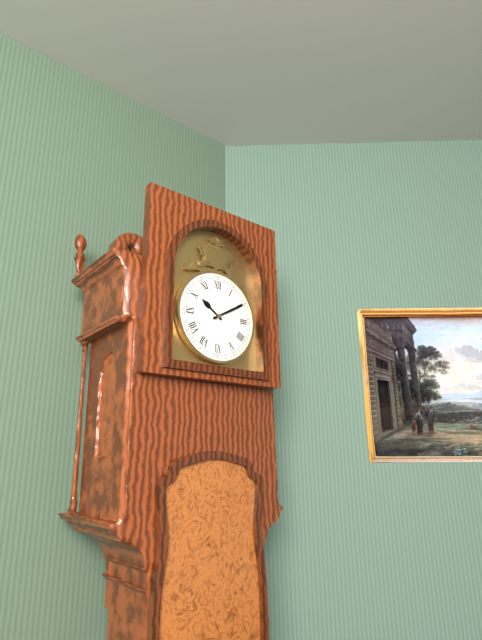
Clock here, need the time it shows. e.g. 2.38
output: 10.10
